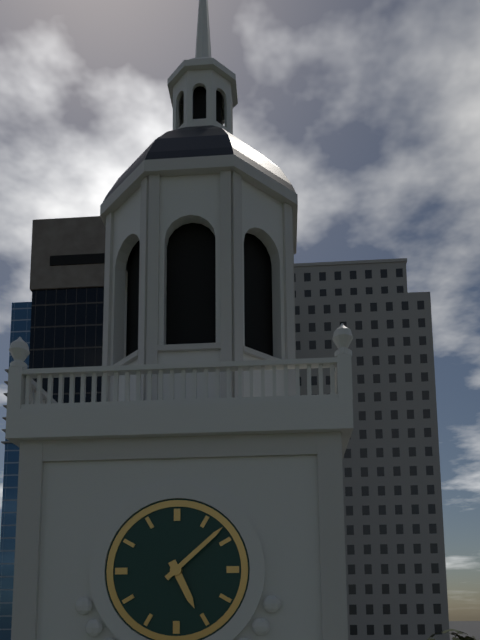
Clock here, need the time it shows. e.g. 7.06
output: 5.08
